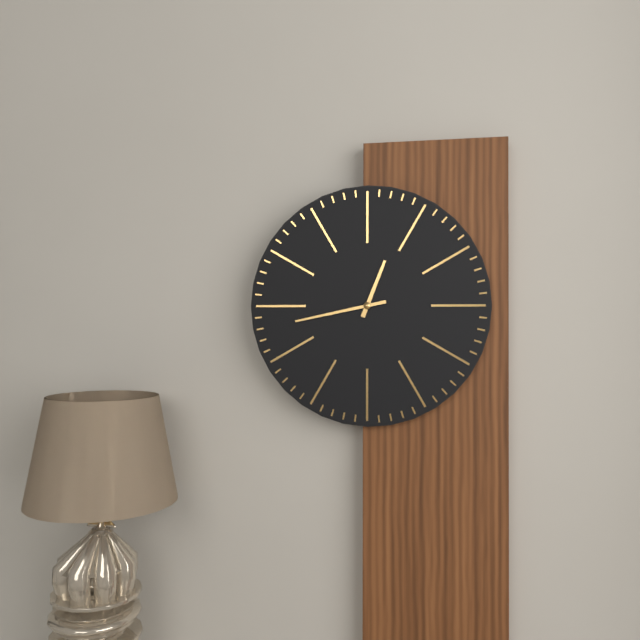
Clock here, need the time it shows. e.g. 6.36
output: 12.43
